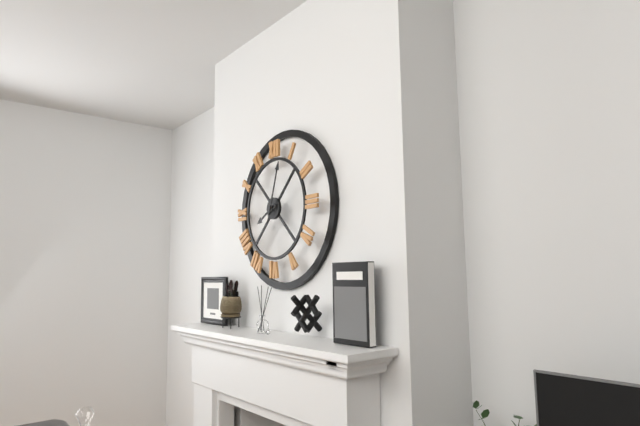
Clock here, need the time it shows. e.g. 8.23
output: 8.03
